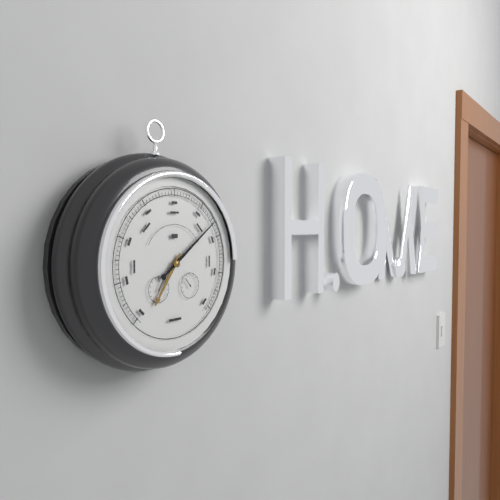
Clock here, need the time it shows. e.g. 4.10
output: 7.09
